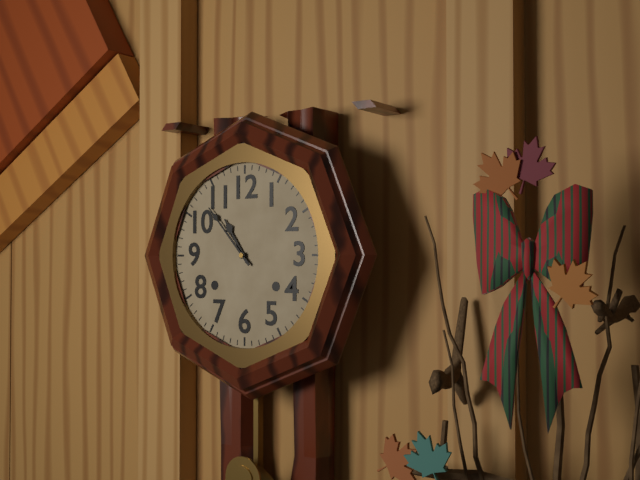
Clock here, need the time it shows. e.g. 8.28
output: 10.53
